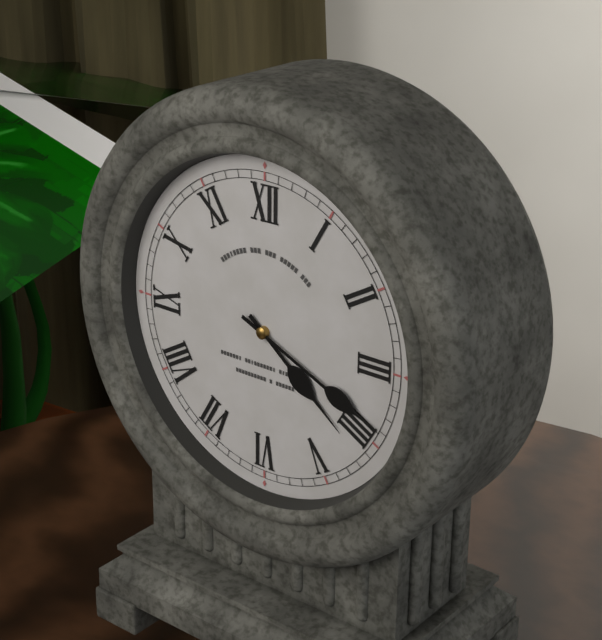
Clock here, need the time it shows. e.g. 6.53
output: 4.19
